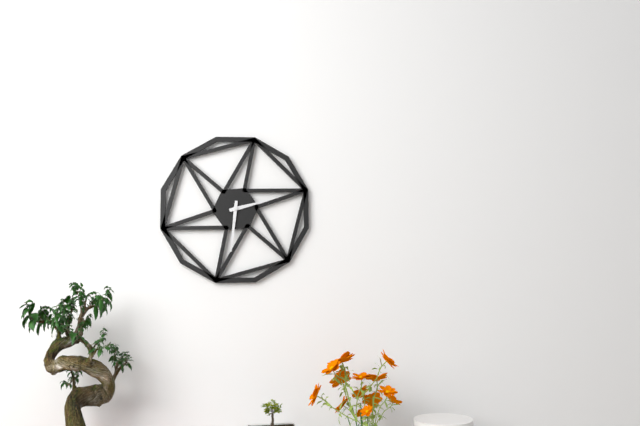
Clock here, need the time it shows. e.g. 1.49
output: 2.31
